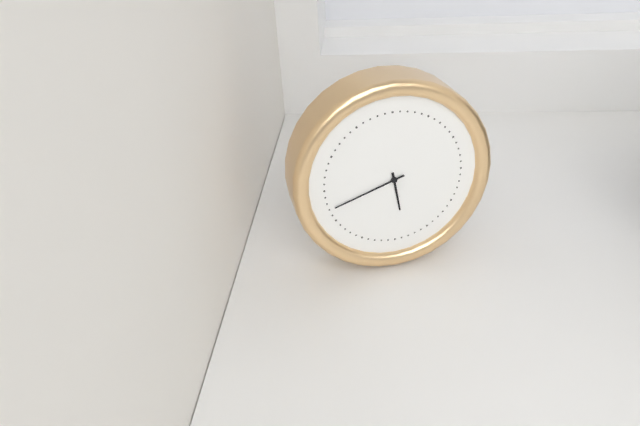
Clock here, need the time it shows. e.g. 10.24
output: 5.42
